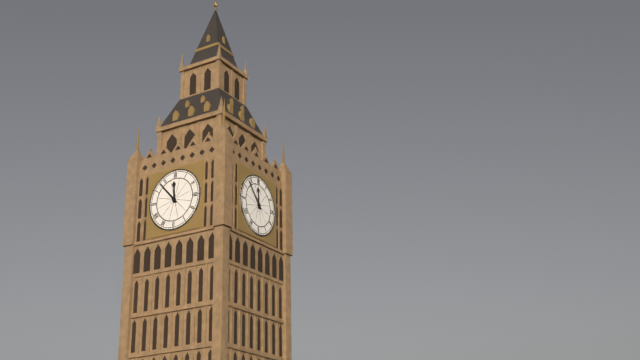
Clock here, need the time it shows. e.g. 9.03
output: 11.53
